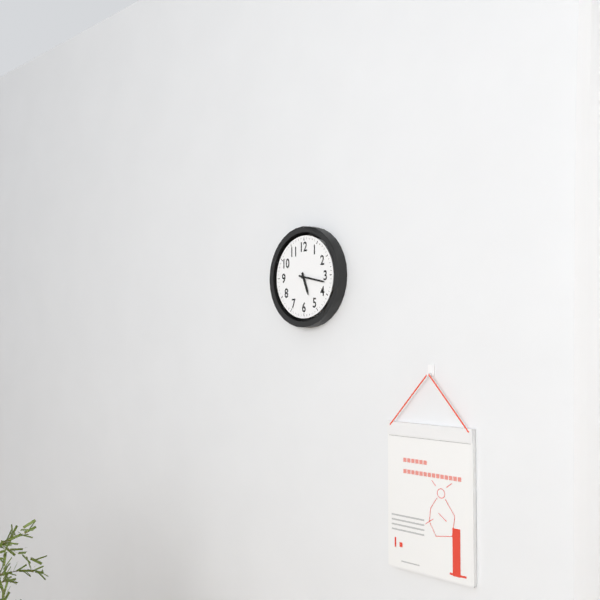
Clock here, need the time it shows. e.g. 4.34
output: 5.17
